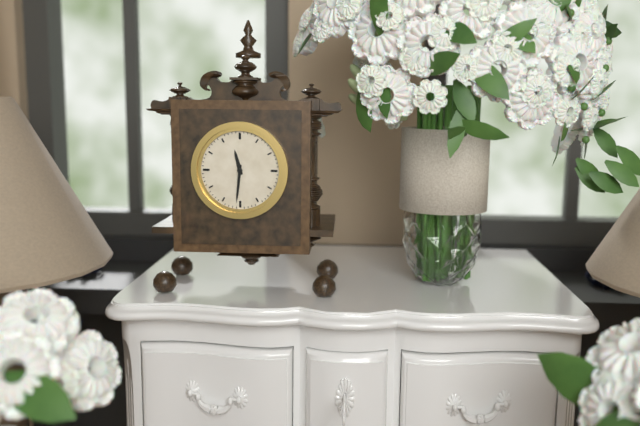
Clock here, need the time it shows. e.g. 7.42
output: 11.31
